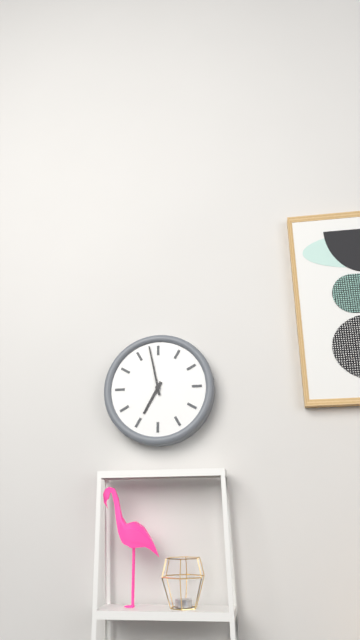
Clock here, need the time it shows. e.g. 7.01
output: 6.58
